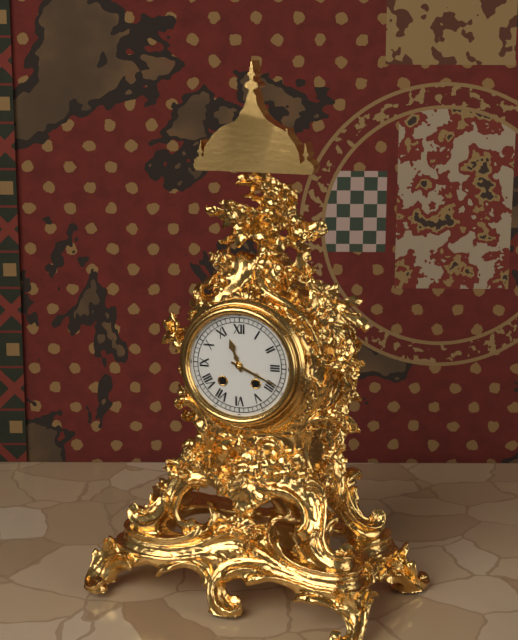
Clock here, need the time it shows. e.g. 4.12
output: 11.19
